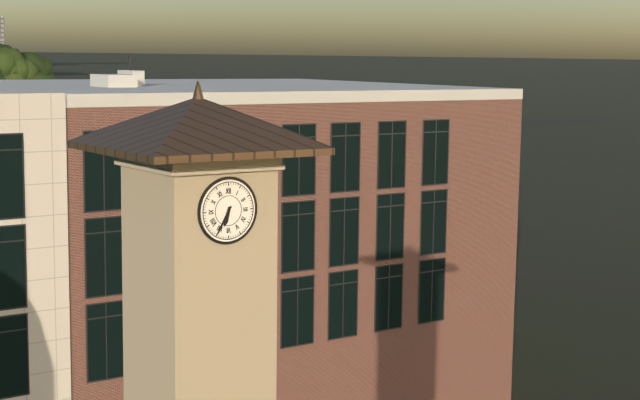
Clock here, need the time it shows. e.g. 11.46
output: 6.35
